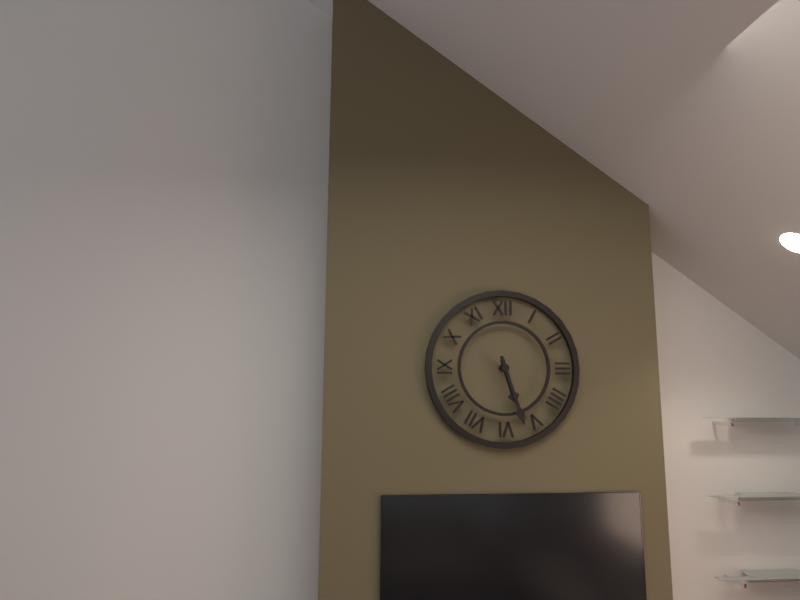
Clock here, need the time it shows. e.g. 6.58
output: 5.27
